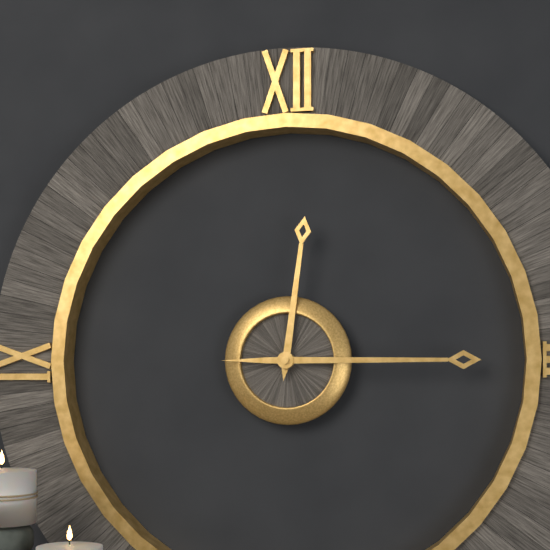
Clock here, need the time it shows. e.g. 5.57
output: 12.15
